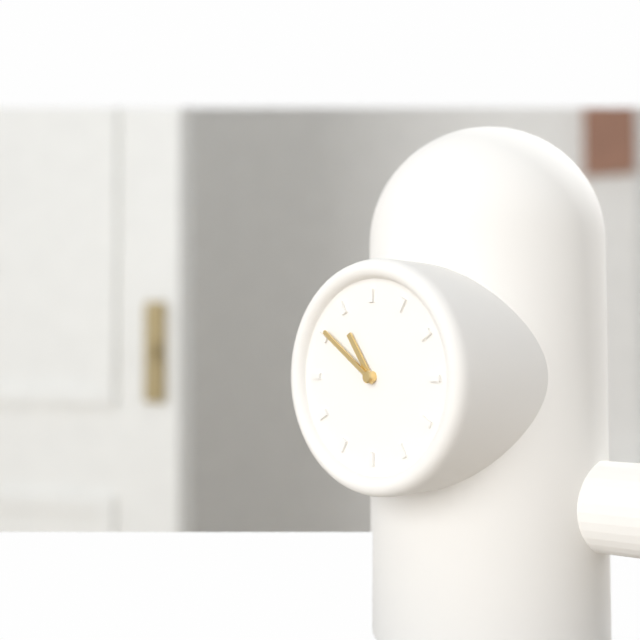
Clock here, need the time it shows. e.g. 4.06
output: 10.51
